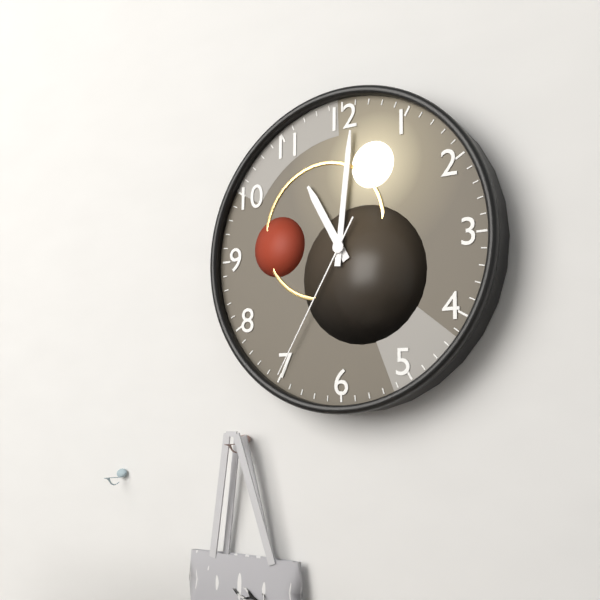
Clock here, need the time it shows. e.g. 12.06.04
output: 11.01.35
